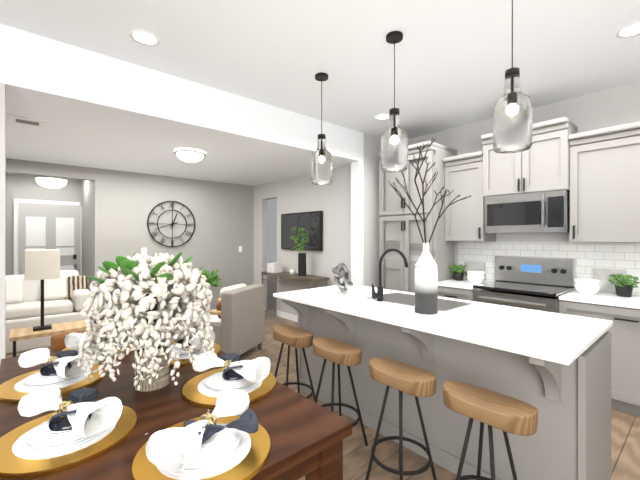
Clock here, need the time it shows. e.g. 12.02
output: 12.42
